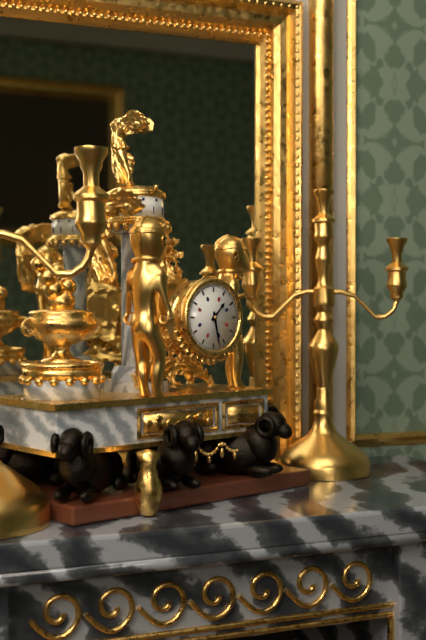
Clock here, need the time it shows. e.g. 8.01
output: 1.28
